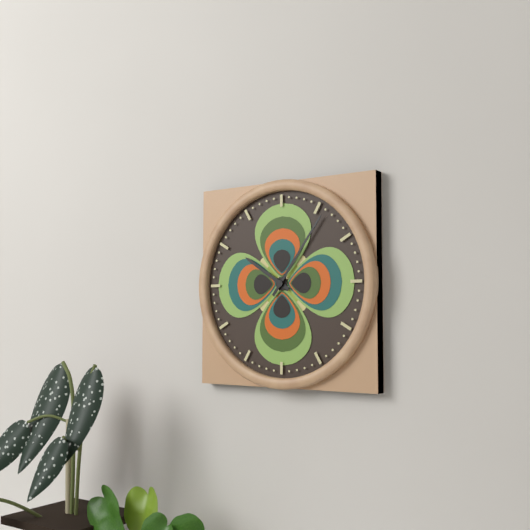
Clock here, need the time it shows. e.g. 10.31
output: 10.06
